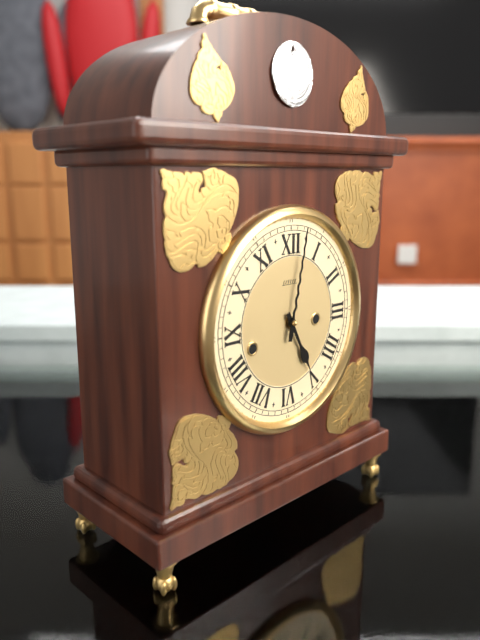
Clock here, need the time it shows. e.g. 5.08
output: 5.02
